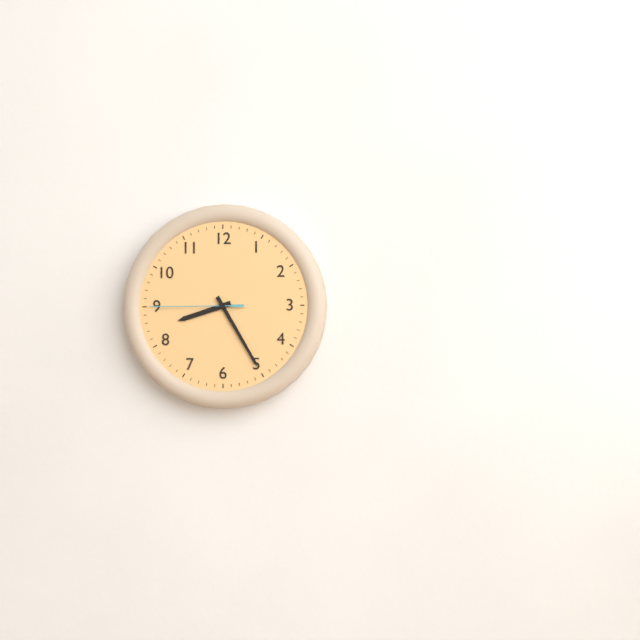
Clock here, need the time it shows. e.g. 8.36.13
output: 8.25.45
